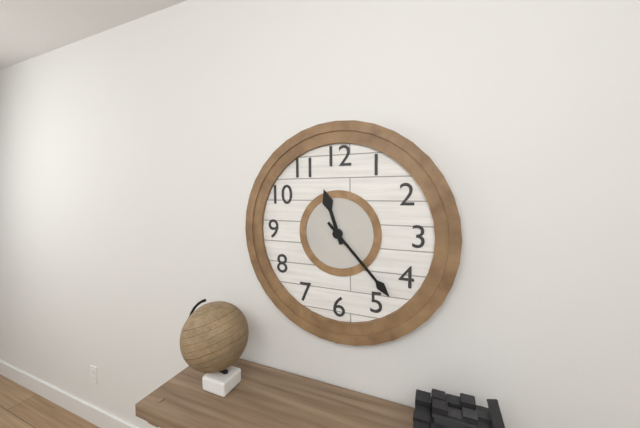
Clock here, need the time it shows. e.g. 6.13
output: 11.23
